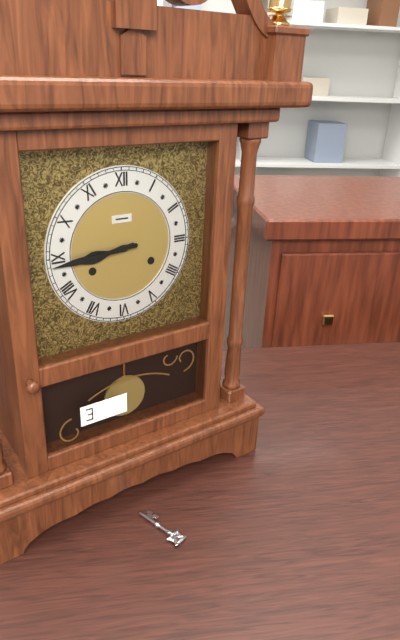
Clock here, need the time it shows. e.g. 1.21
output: 8.44
